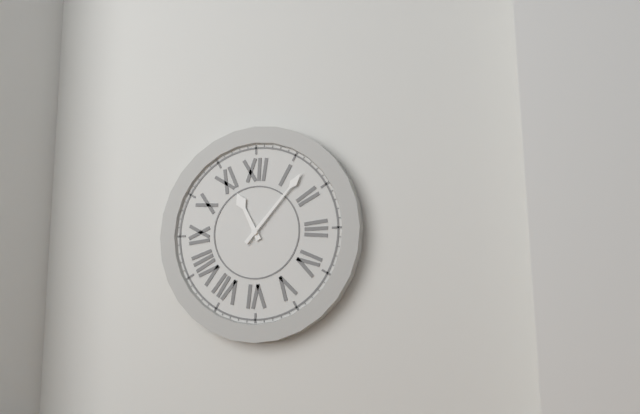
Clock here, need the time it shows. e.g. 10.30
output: 11.07
